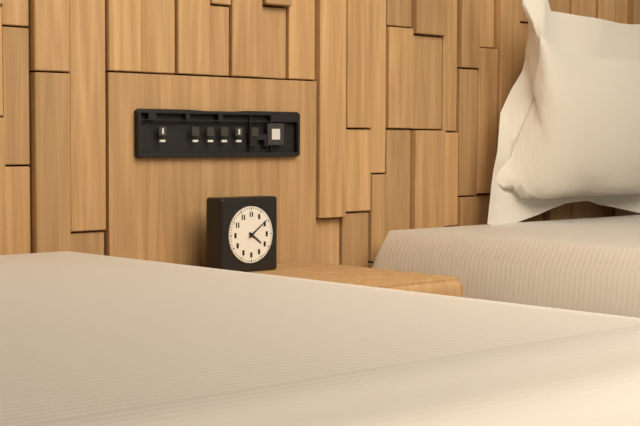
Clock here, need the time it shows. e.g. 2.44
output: 4.09
